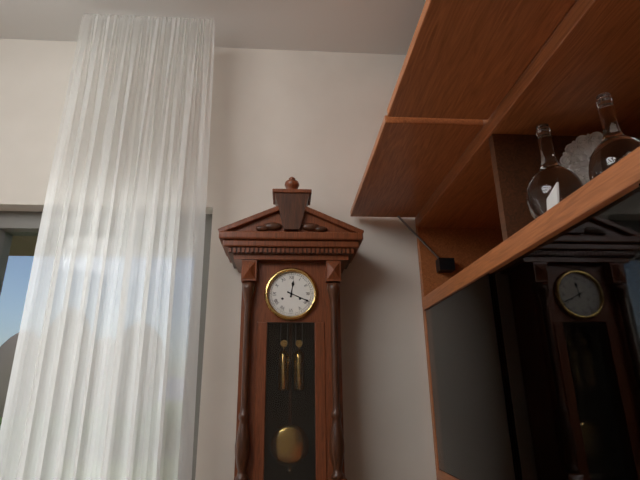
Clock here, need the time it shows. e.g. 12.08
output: 12.19
